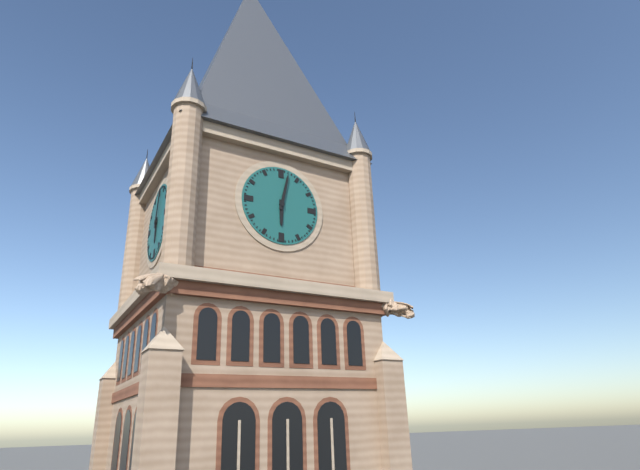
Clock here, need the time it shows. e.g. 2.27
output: 6.02
